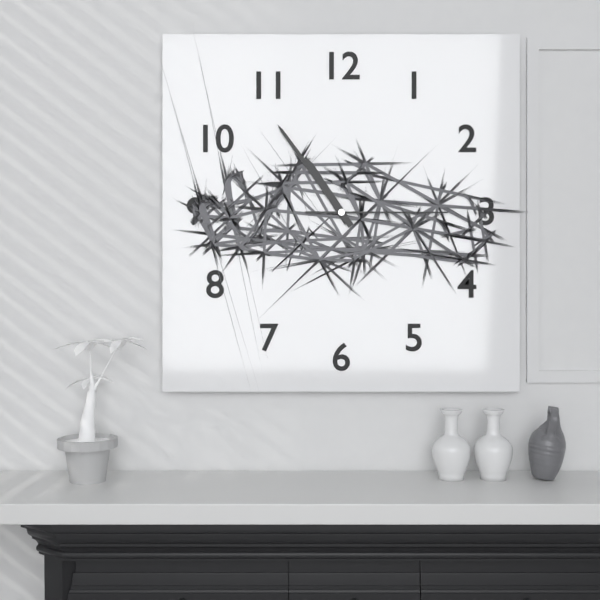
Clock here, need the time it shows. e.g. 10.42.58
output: 10.54.15
